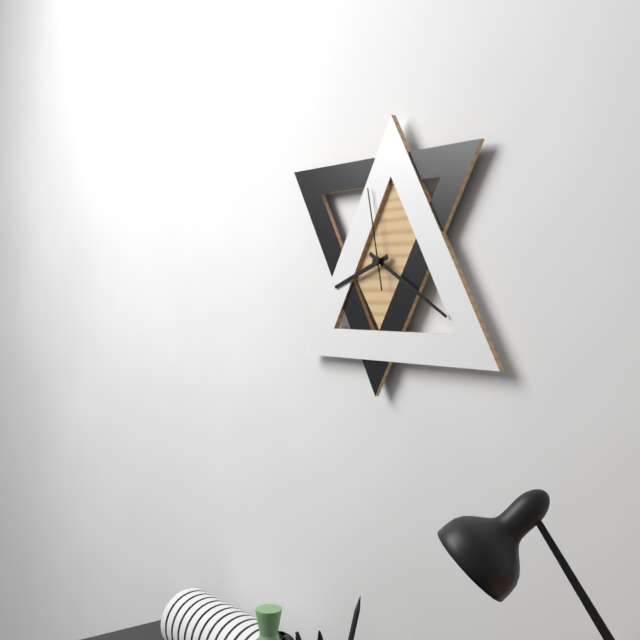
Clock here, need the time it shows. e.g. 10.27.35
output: 8.20.58
